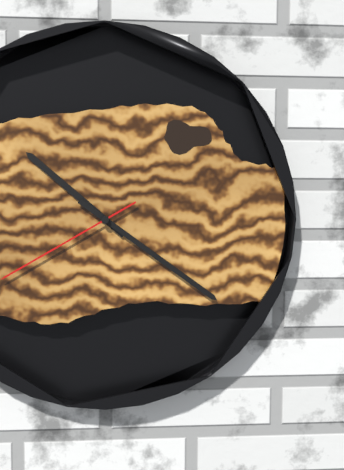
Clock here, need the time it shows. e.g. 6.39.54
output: 10.21.40
